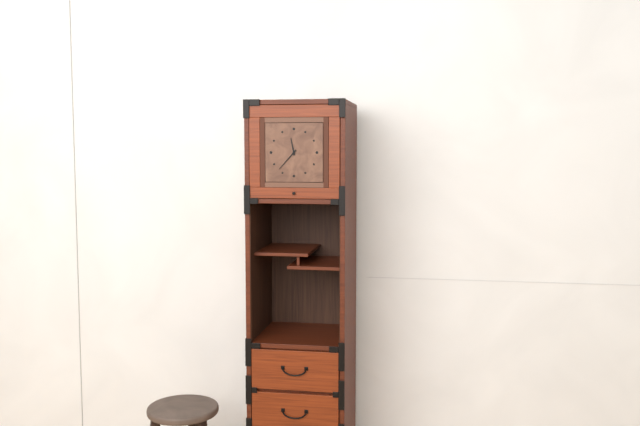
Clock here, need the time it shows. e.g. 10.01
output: 11.37
